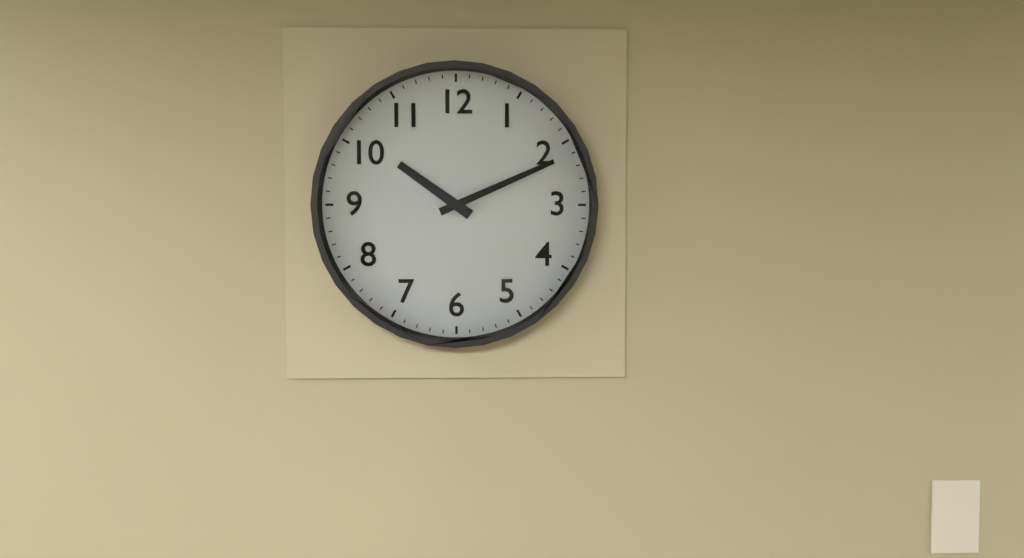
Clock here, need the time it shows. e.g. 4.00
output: 10.11
